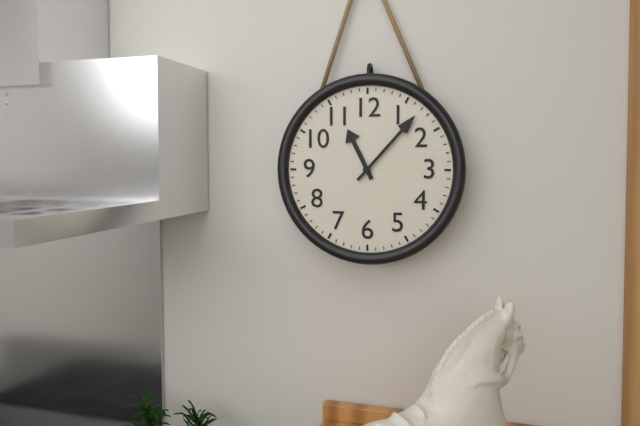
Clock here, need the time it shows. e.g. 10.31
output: 11.07
